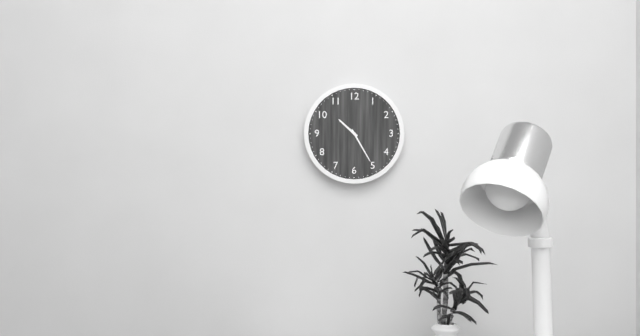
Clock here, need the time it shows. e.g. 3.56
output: 10.25
